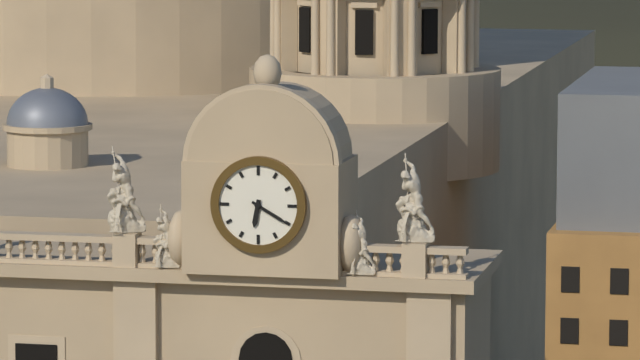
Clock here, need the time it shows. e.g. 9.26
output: 6.20
